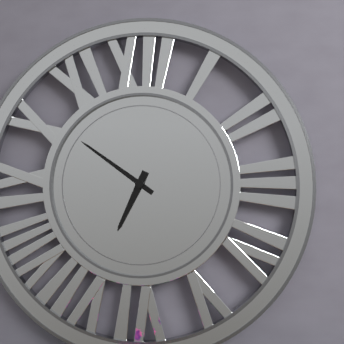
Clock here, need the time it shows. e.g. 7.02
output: 6.51
